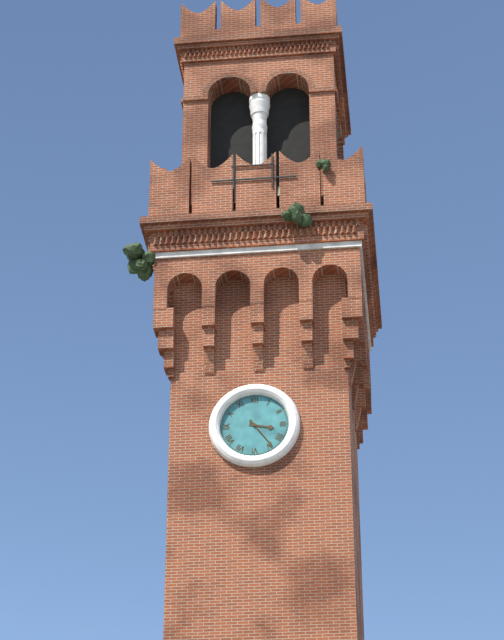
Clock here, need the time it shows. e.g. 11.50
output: 3.24
